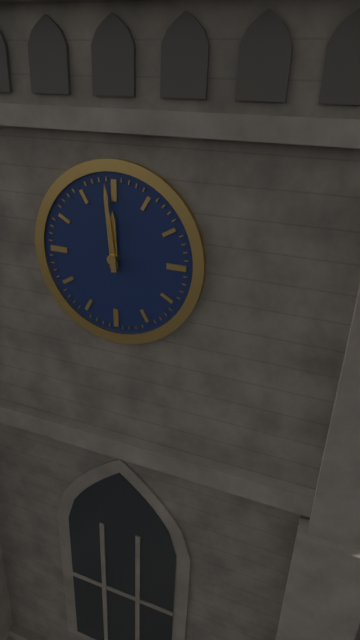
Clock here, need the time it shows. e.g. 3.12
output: 11.59
